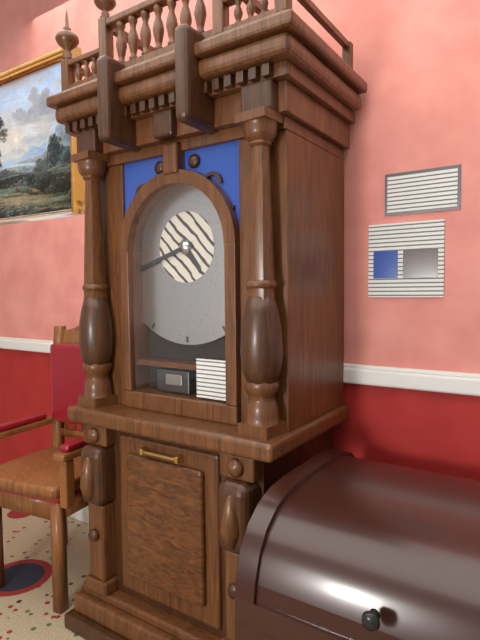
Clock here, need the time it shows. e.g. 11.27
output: 4.42
